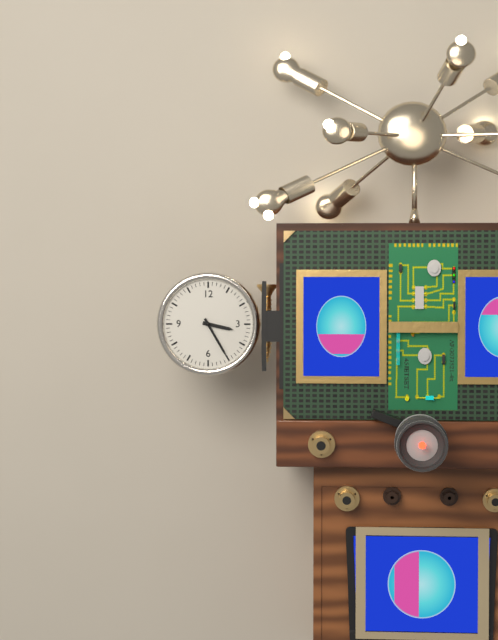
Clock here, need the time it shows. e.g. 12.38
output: 3.25
